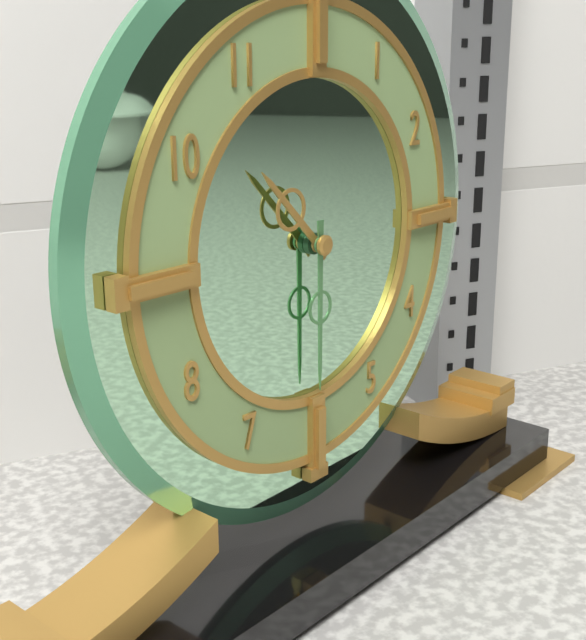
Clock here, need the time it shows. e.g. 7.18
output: 10.30
